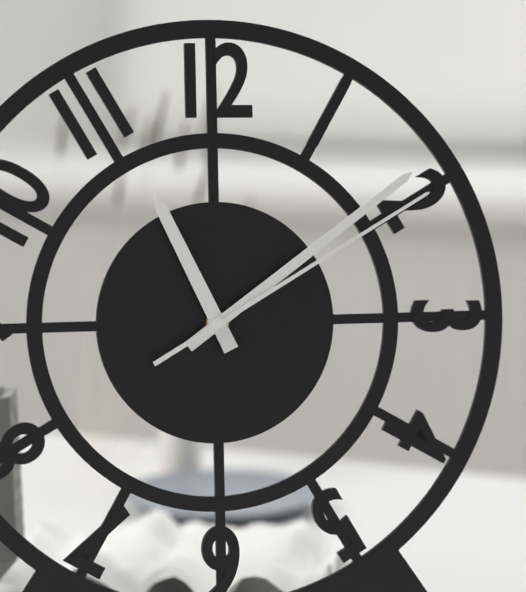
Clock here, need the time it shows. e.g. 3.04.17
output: 11.09.10
